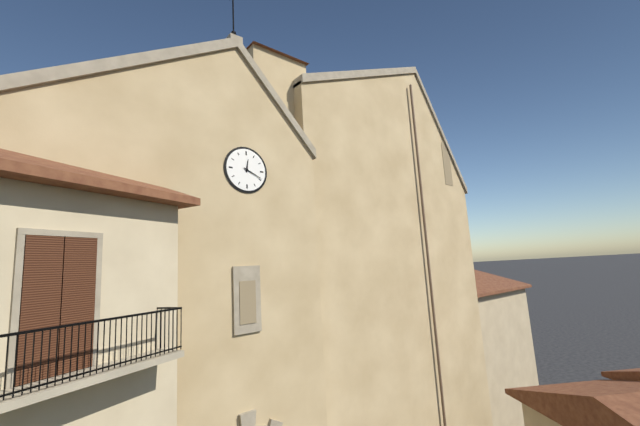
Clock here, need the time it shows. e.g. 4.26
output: 12.19
